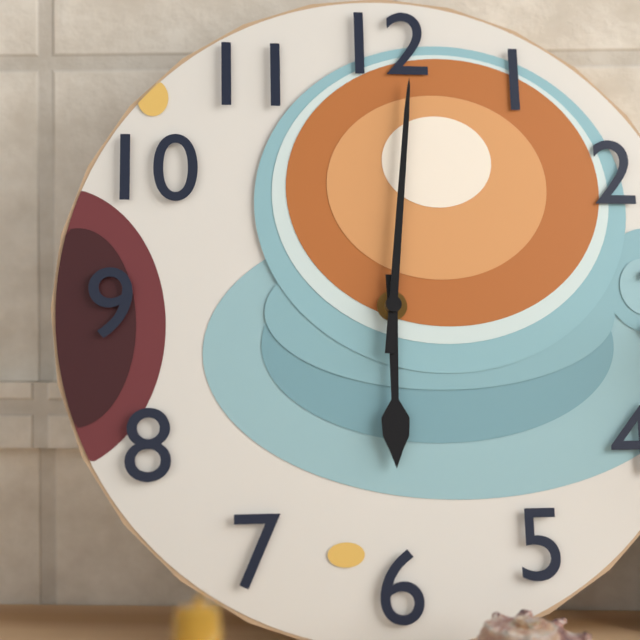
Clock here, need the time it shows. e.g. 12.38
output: 6.01
